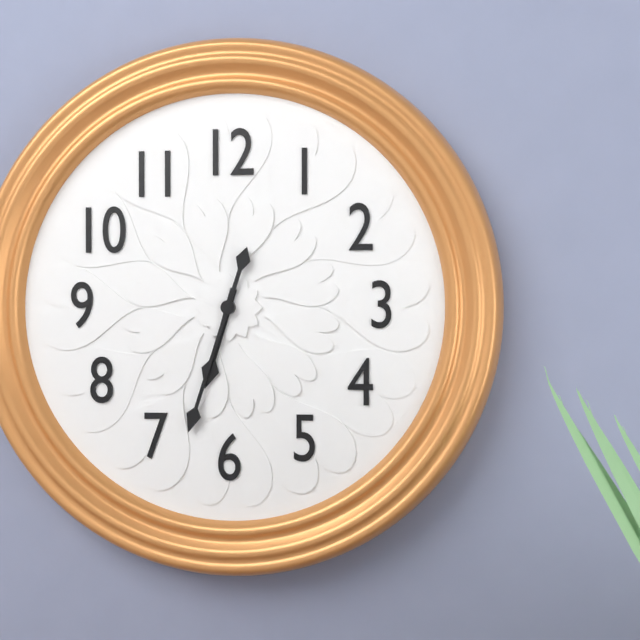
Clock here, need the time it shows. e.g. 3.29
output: 6.33
